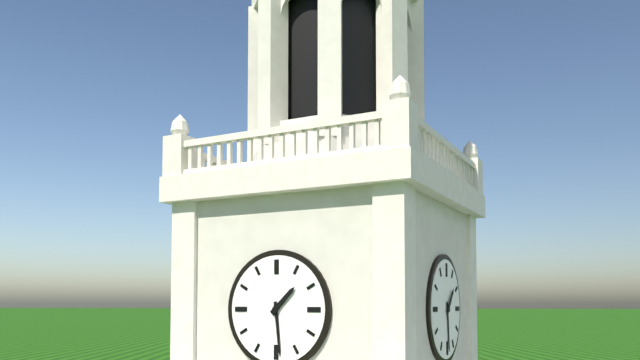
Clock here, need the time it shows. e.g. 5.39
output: 1.29
